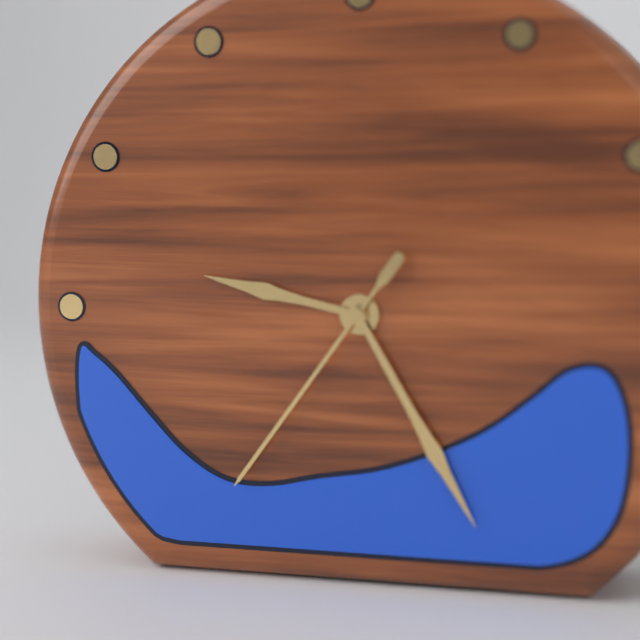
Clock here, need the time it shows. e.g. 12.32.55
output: 9.25.36
